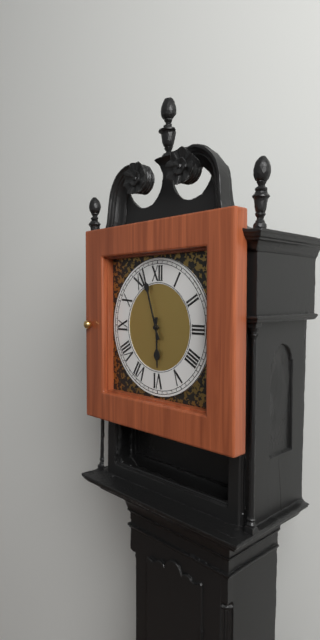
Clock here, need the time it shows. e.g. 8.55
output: 5.57
